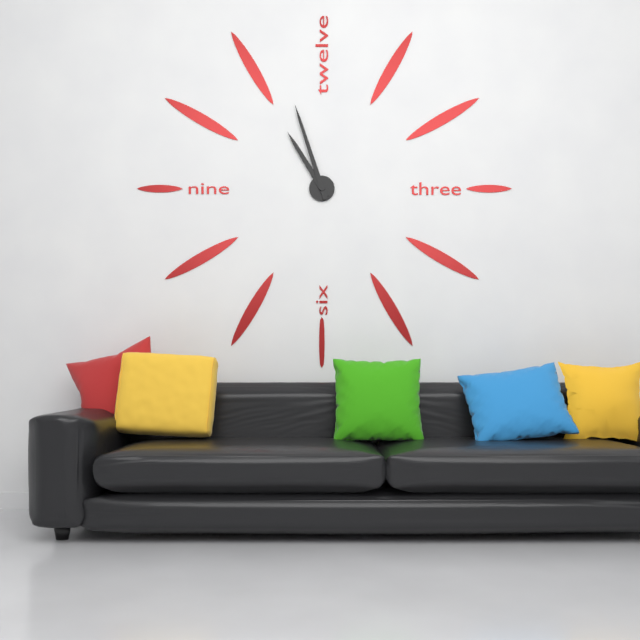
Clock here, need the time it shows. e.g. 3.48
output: 10.57
